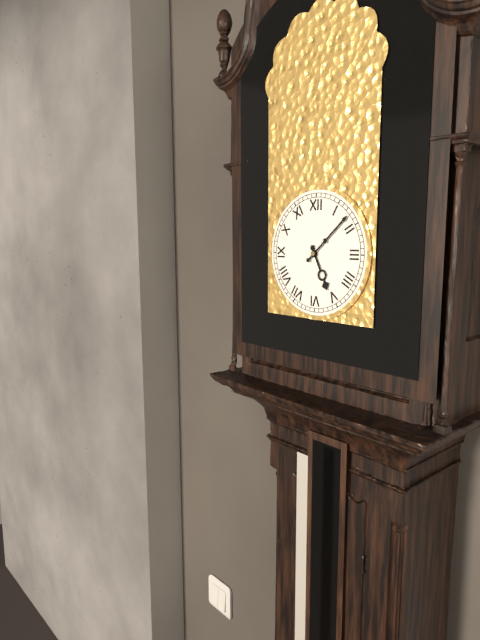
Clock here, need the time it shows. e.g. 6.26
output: 5.08
